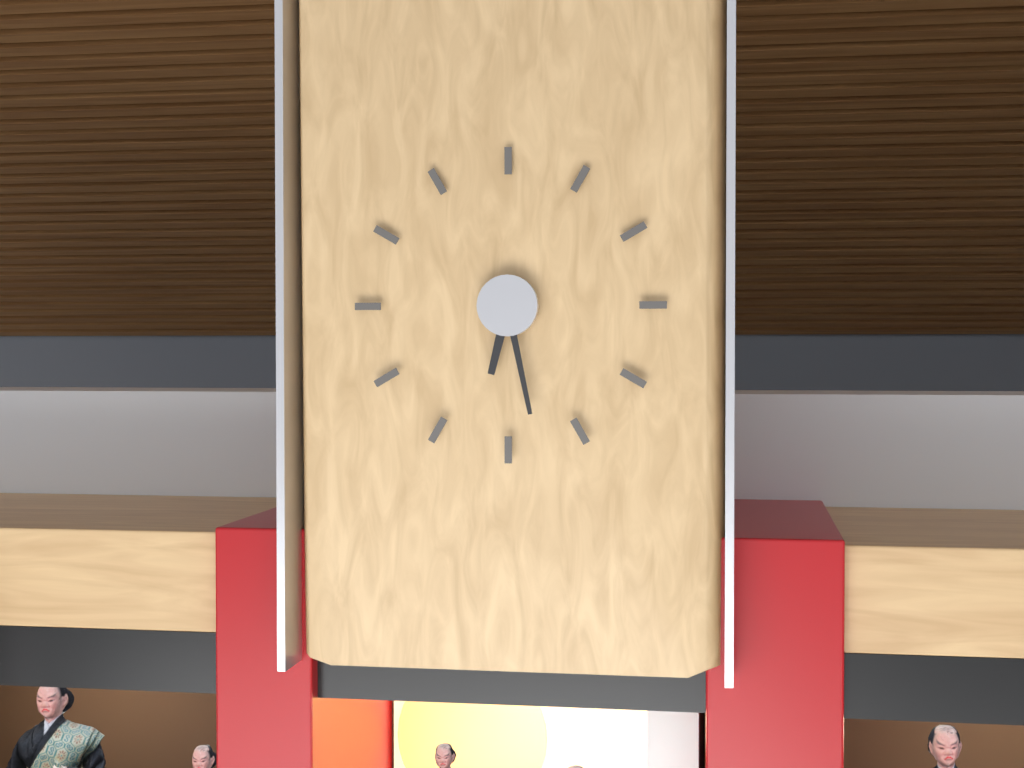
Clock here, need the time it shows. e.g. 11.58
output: 6.28
